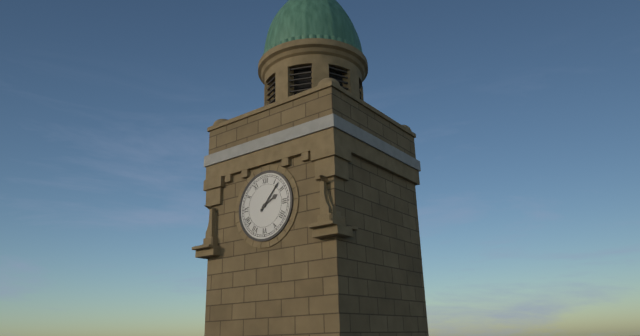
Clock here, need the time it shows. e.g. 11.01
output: 2.07
